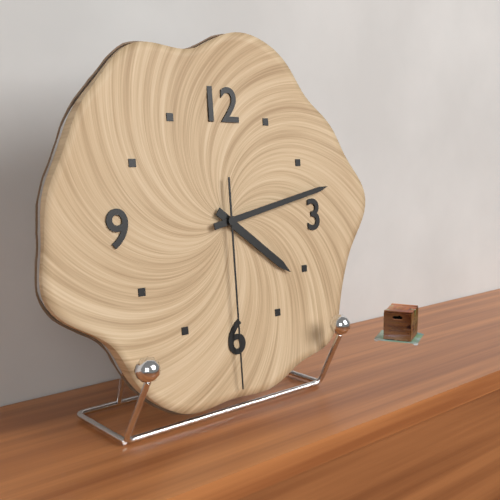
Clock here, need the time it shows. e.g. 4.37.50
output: 4.13.30
